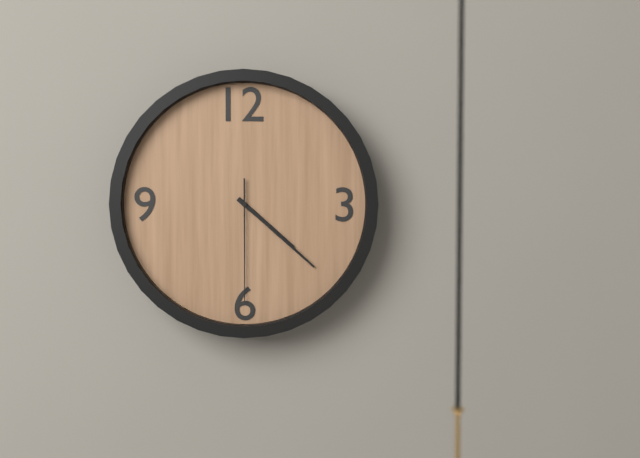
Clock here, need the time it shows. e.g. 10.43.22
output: 4.22.30
